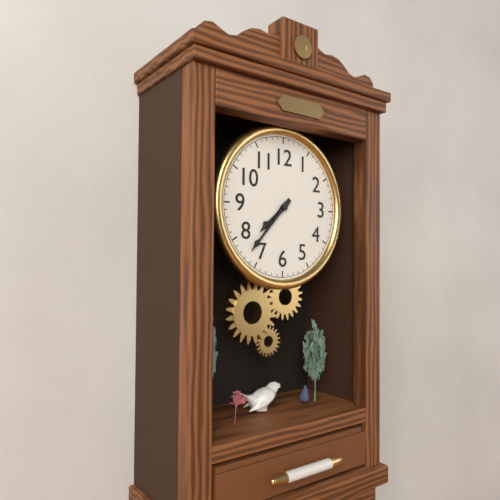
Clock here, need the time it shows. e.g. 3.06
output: 7.37
